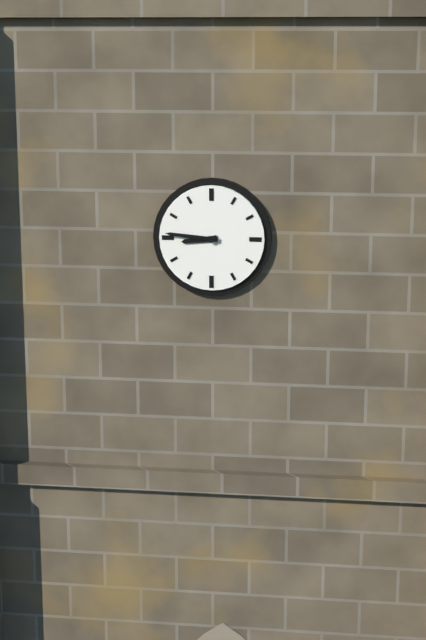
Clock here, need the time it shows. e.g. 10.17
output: 8.46
